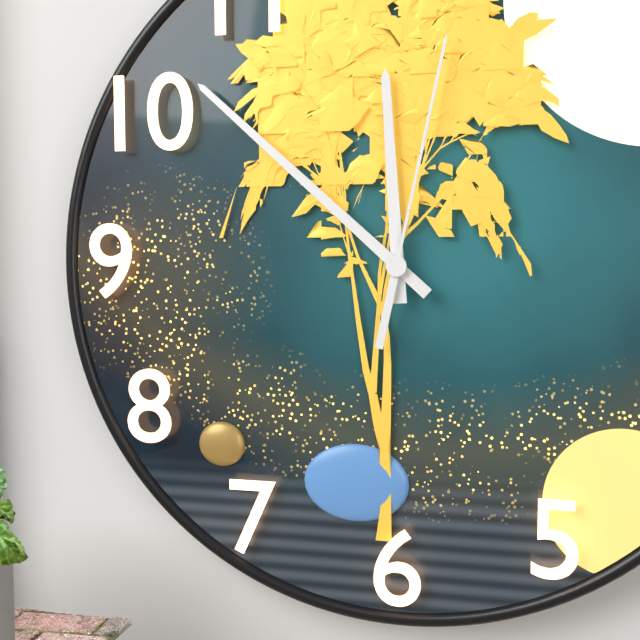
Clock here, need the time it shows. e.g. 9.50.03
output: 11.52.02
